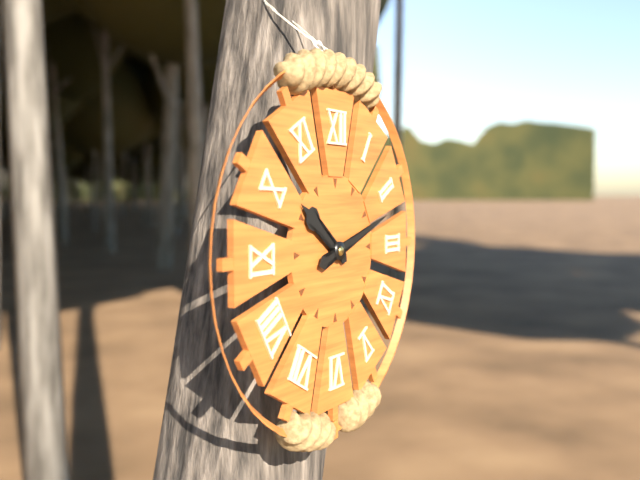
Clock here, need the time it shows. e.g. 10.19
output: 10.12
